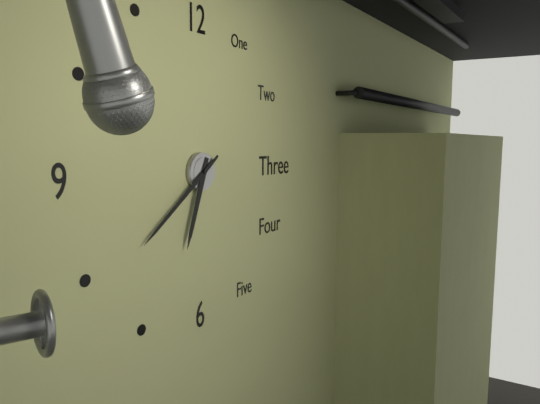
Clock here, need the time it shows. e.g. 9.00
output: 6.39
